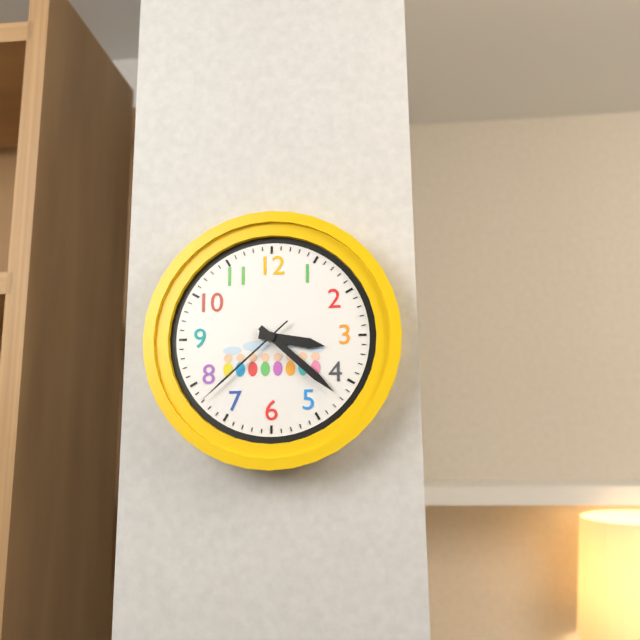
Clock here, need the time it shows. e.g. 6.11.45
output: 3.22.38
